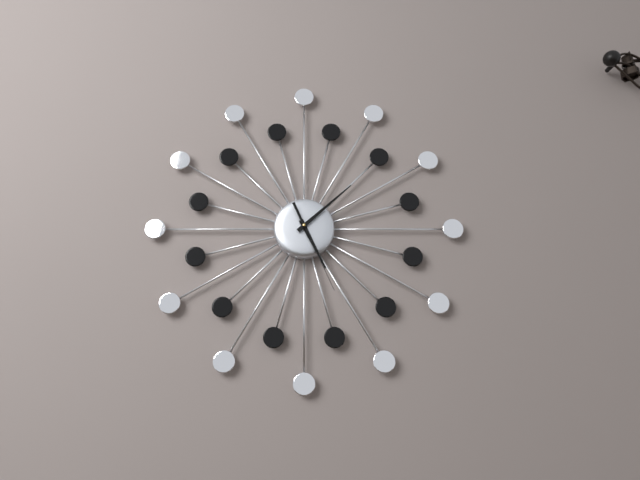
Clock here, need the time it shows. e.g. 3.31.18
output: 5.08.26
